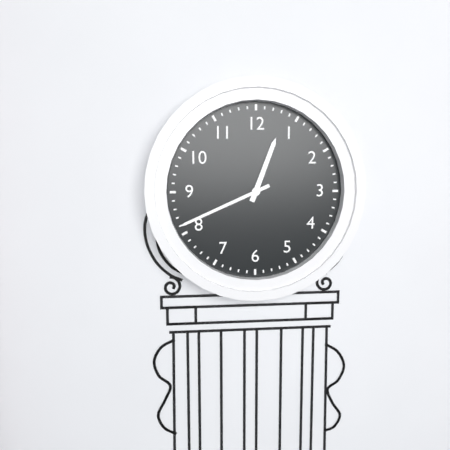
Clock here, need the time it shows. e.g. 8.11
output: 12.41
